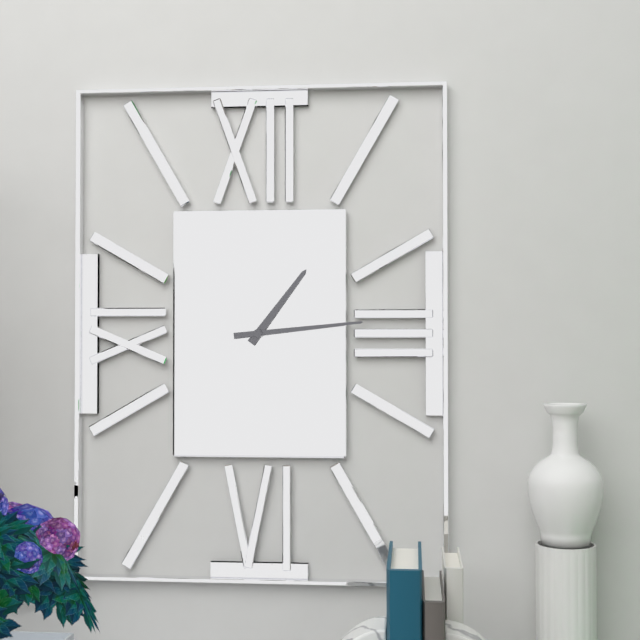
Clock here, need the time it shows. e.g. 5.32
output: 1.14
